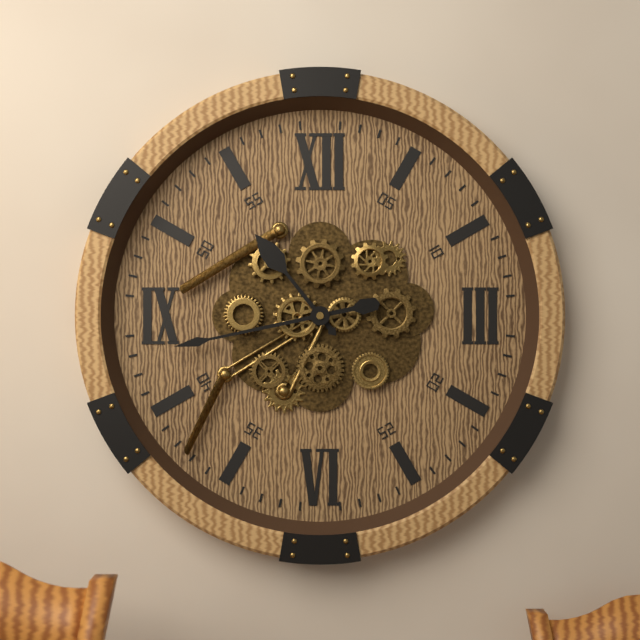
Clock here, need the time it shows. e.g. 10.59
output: 10.43
